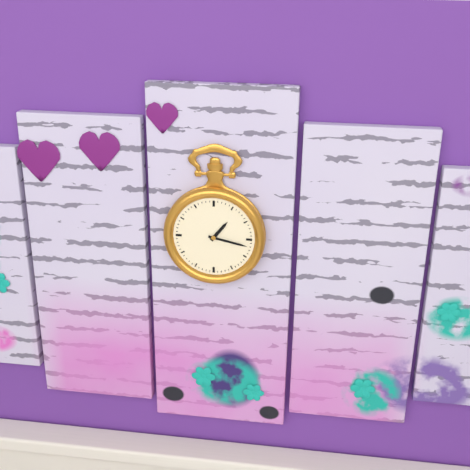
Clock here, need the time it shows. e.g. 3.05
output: 1.17
